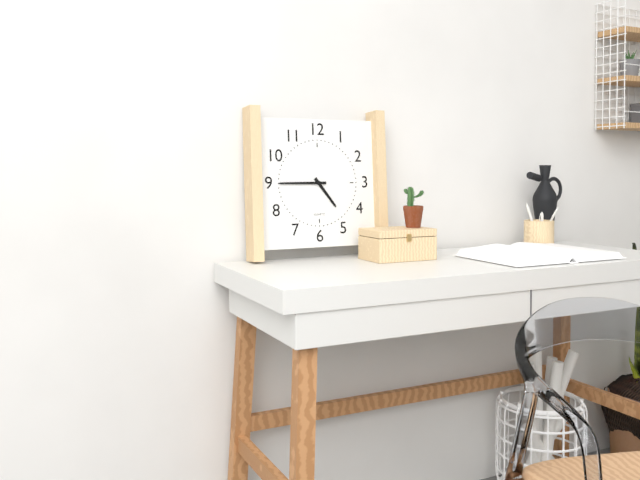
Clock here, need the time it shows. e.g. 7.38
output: 4.45
